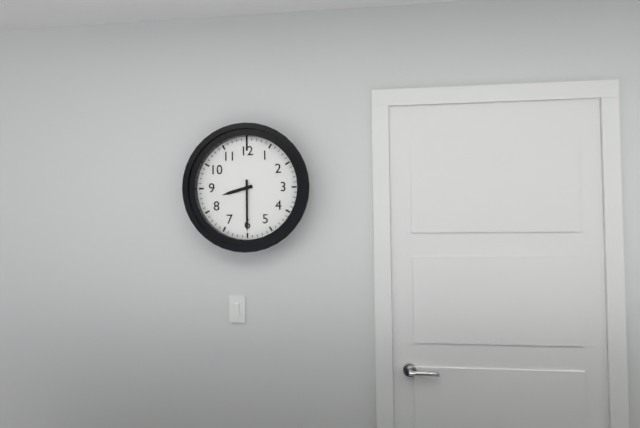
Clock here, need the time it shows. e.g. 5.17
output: 8.30
